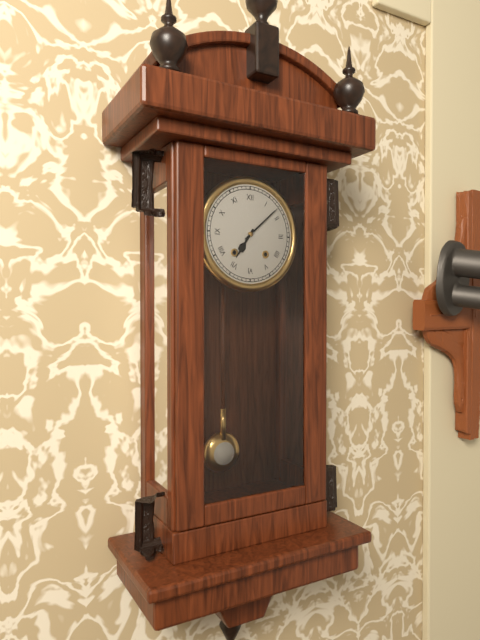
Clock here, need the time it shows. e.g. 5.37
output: 7.08
